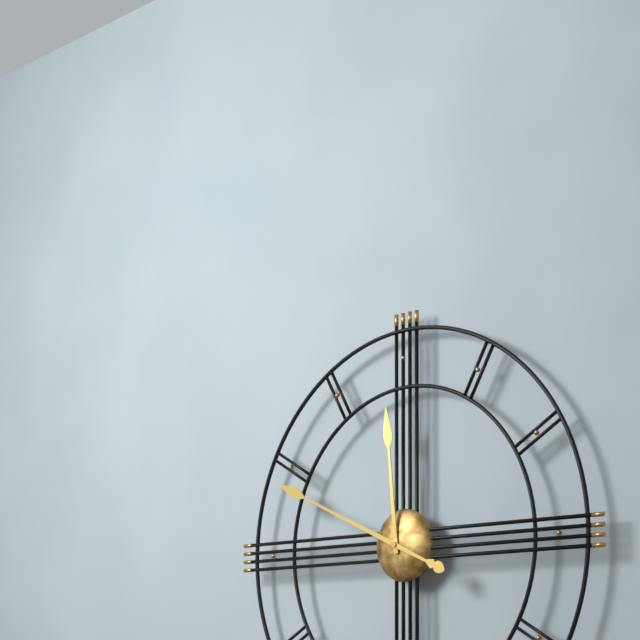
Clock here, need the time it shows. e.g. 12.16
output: 11.49
